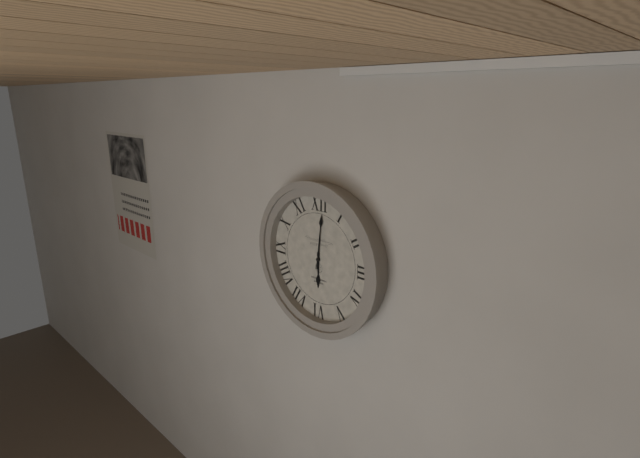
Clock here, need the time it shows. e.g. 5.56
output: 6.01
